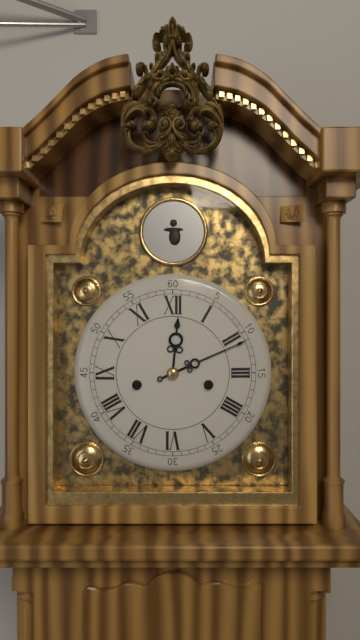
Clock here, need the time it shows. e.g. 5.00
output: 12.11
